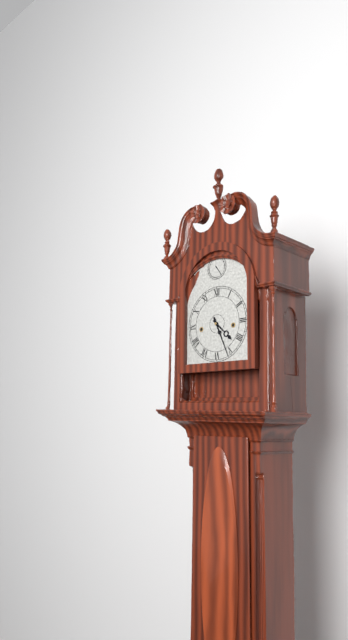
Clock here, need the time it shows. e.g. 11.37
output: 4.26
